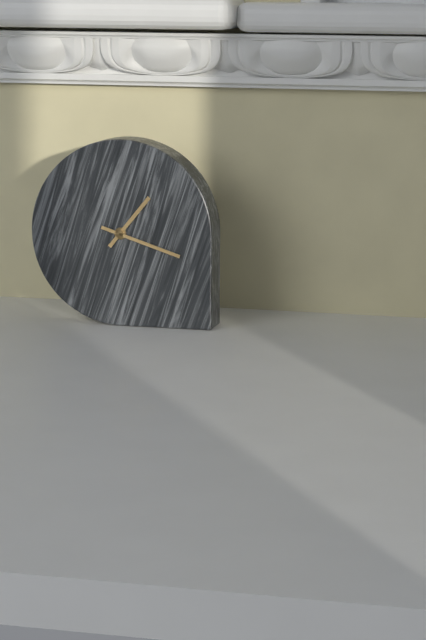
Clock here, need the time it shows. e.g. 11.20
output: 1.18
